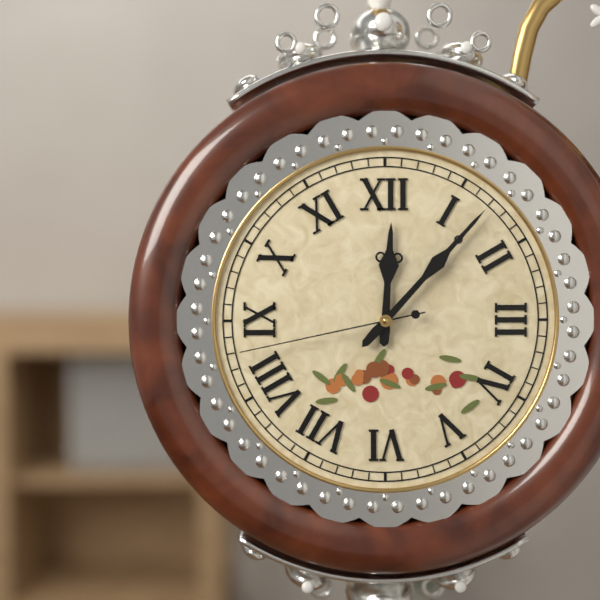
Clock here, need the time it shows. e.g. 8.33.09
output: 12.07.43
